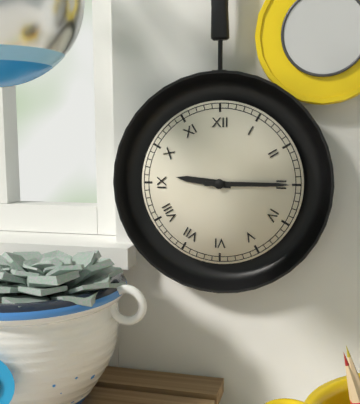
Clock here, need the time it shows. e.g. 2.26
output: 9.15
